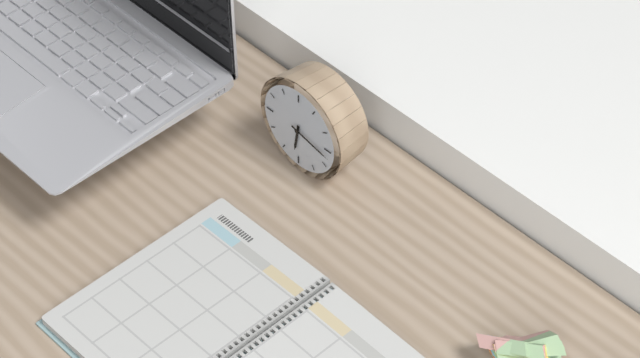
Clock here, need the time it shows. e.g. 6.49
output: 6.17
